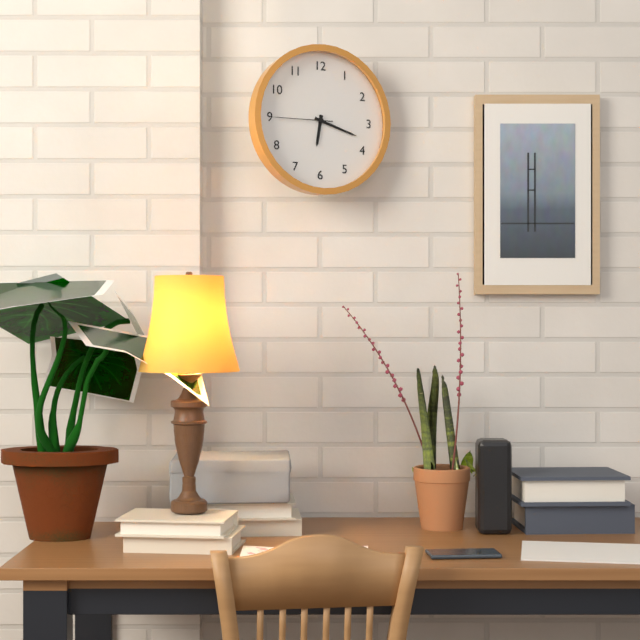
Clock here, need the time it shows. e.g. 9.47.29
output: 6.18.45
